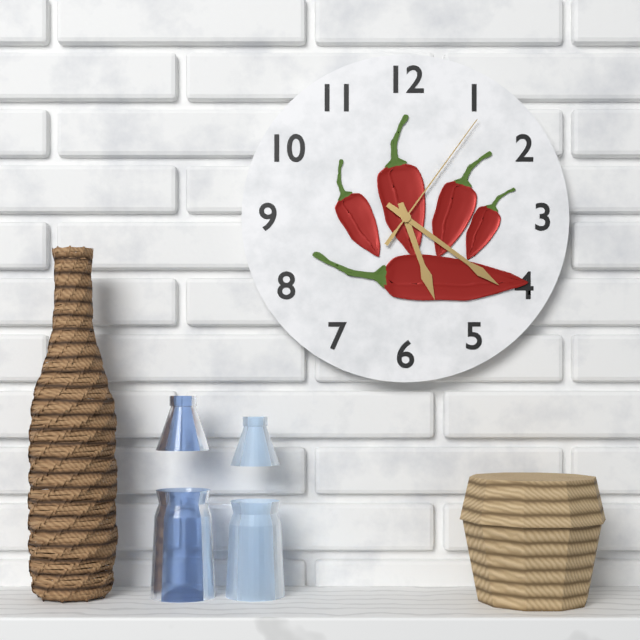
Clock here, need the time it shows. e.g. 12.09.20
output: 5.21.06
